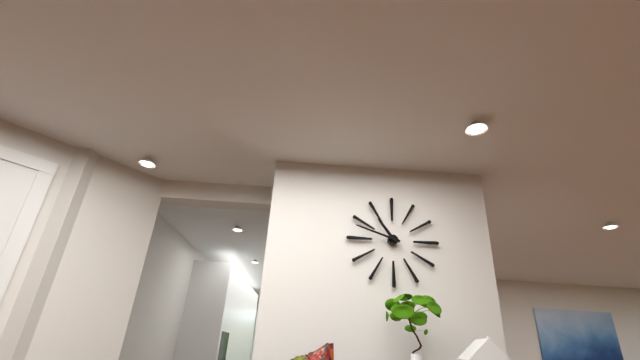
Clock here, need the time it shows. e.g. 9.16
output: 10.48
